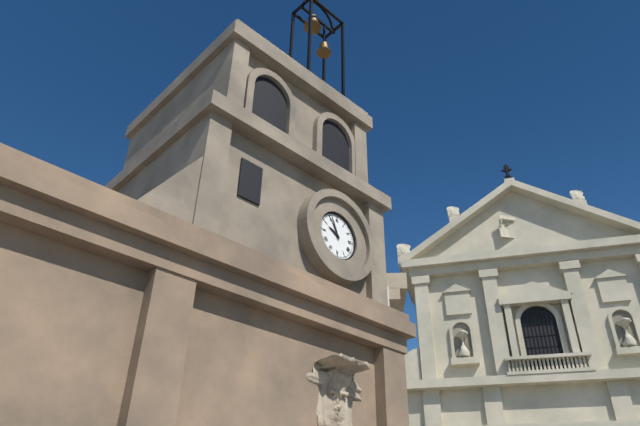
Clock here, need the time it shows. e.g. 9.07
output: 9.56
